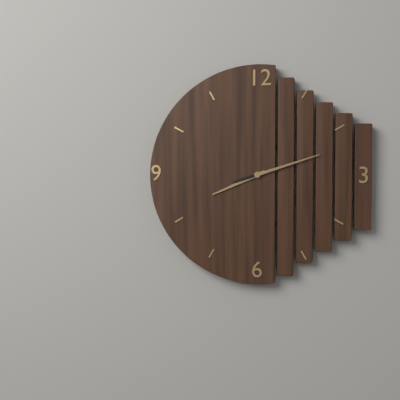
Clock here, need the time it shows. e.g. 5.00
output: 8.12
